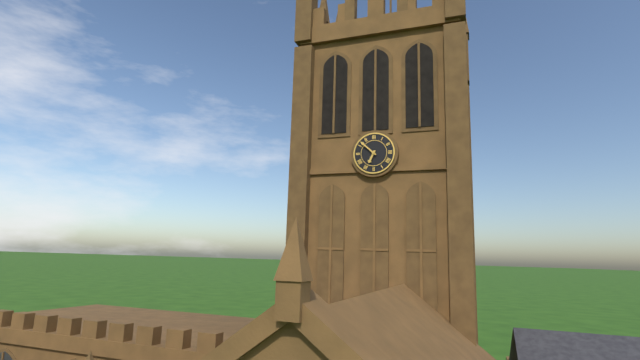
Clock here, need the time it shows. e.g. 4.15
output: 6.52
